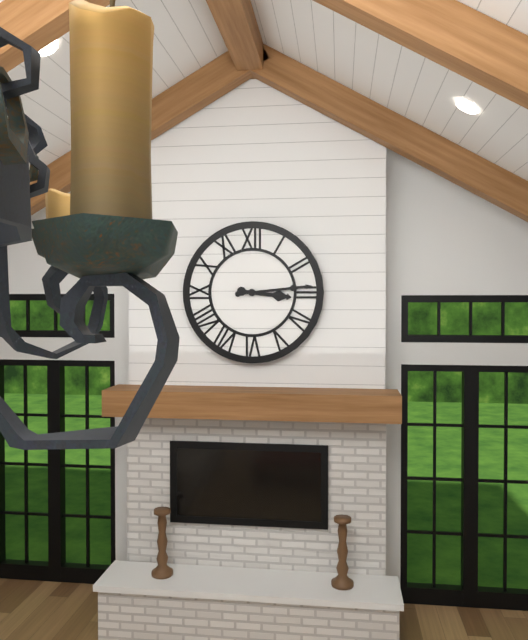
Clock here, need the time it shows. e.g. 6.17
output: 3.14
